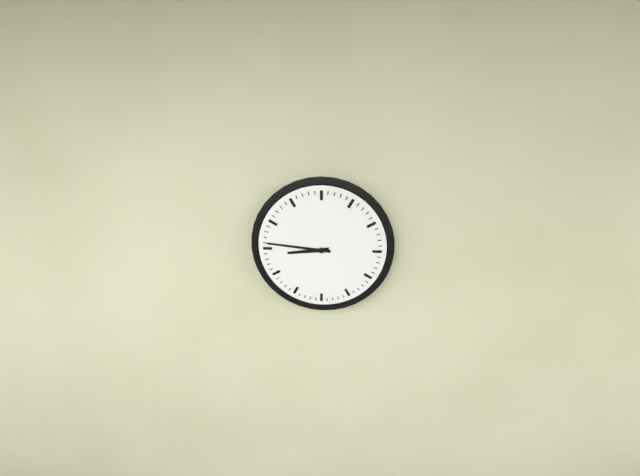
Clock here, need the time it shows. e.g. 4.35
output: 8.46
